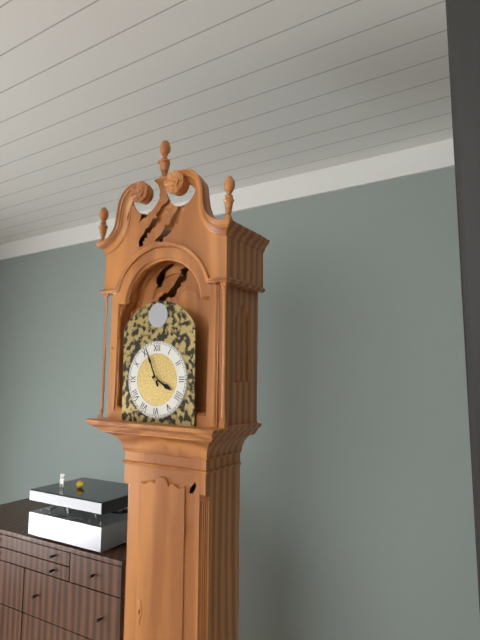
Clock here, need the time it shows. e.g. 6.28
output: 3.56
